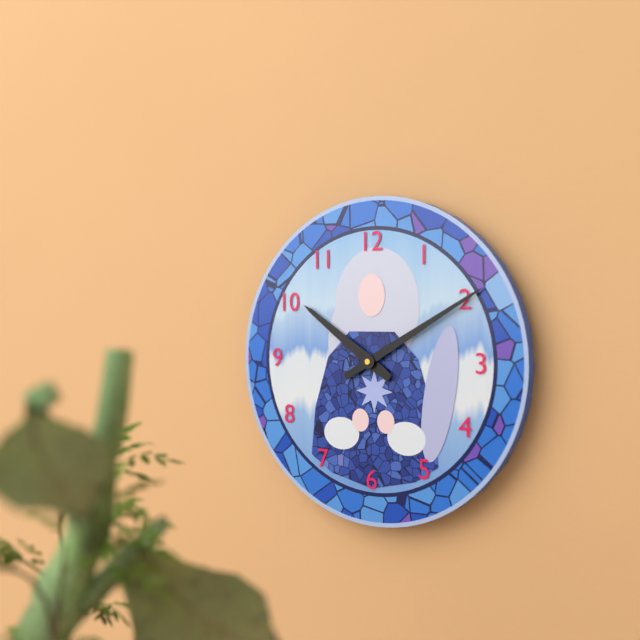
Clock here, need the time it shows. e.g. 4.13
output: 10.10
